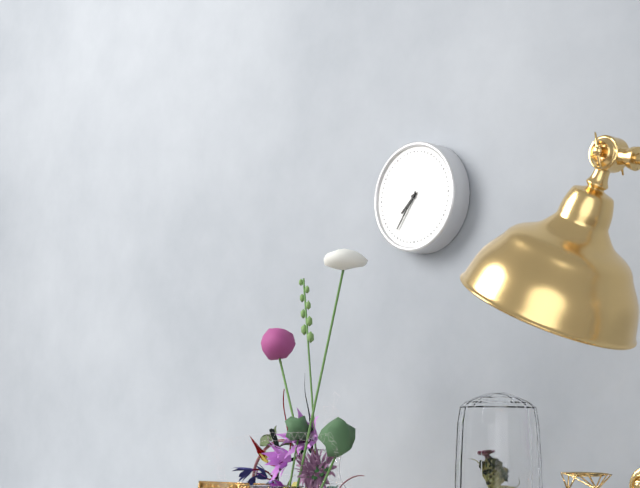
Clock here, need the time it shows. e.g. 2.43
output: 7.36
